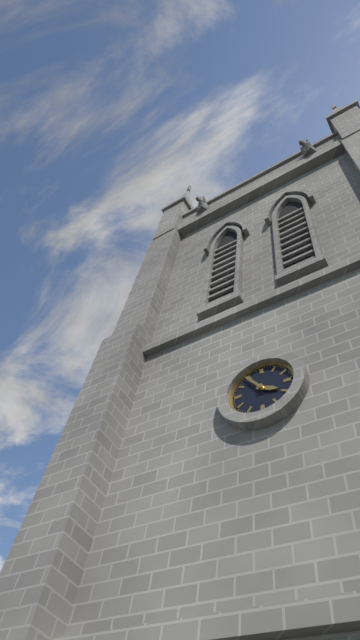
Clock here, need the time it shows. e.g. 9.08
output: 3.54
